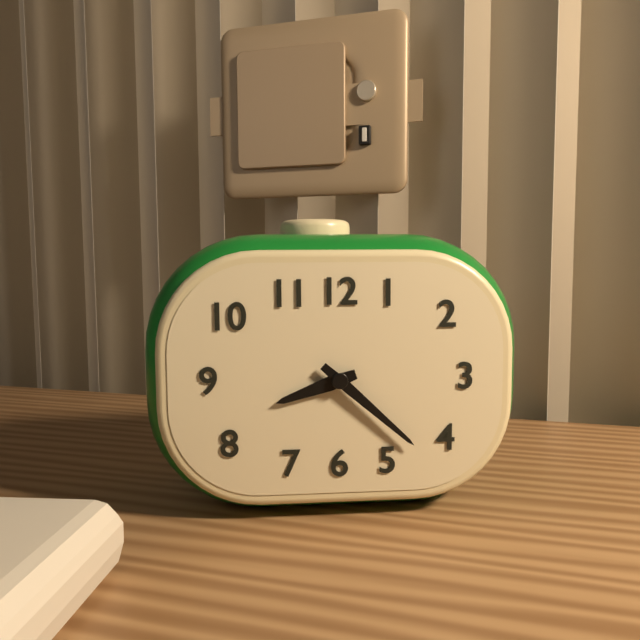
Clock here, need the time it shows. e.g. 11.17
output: 8.22
